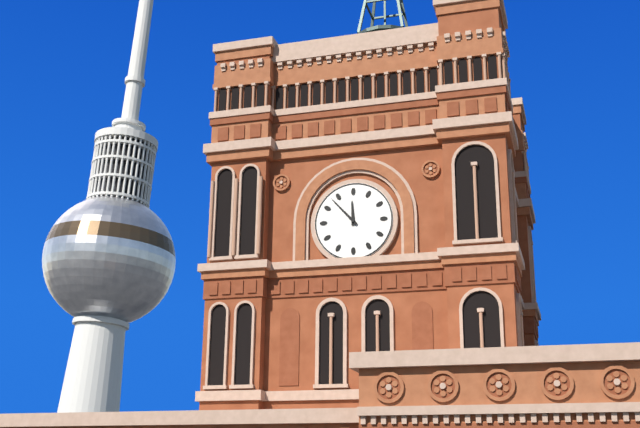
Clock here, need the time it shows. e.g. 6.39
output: 11.53
